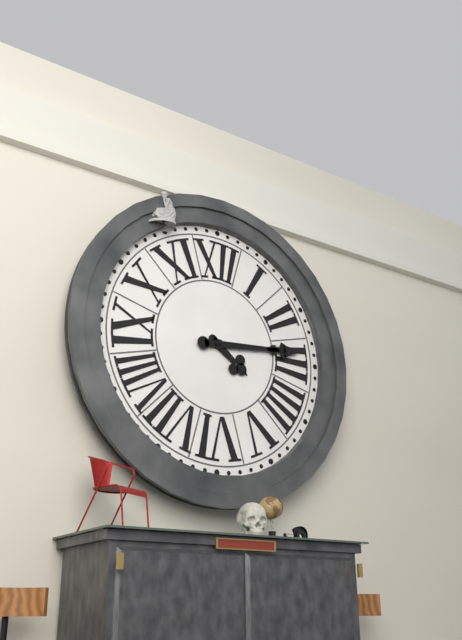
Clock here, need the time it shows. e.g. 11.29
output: 4.14
